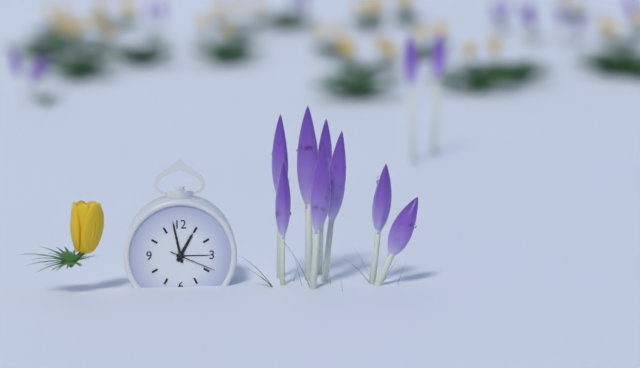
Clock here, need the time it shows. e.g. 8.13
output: 12.58
